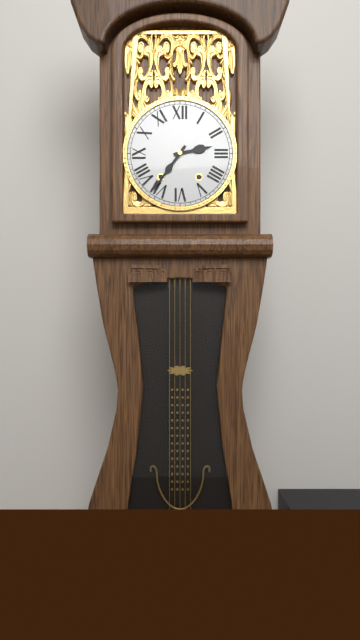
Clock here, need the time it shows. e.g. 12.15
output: 2.36
